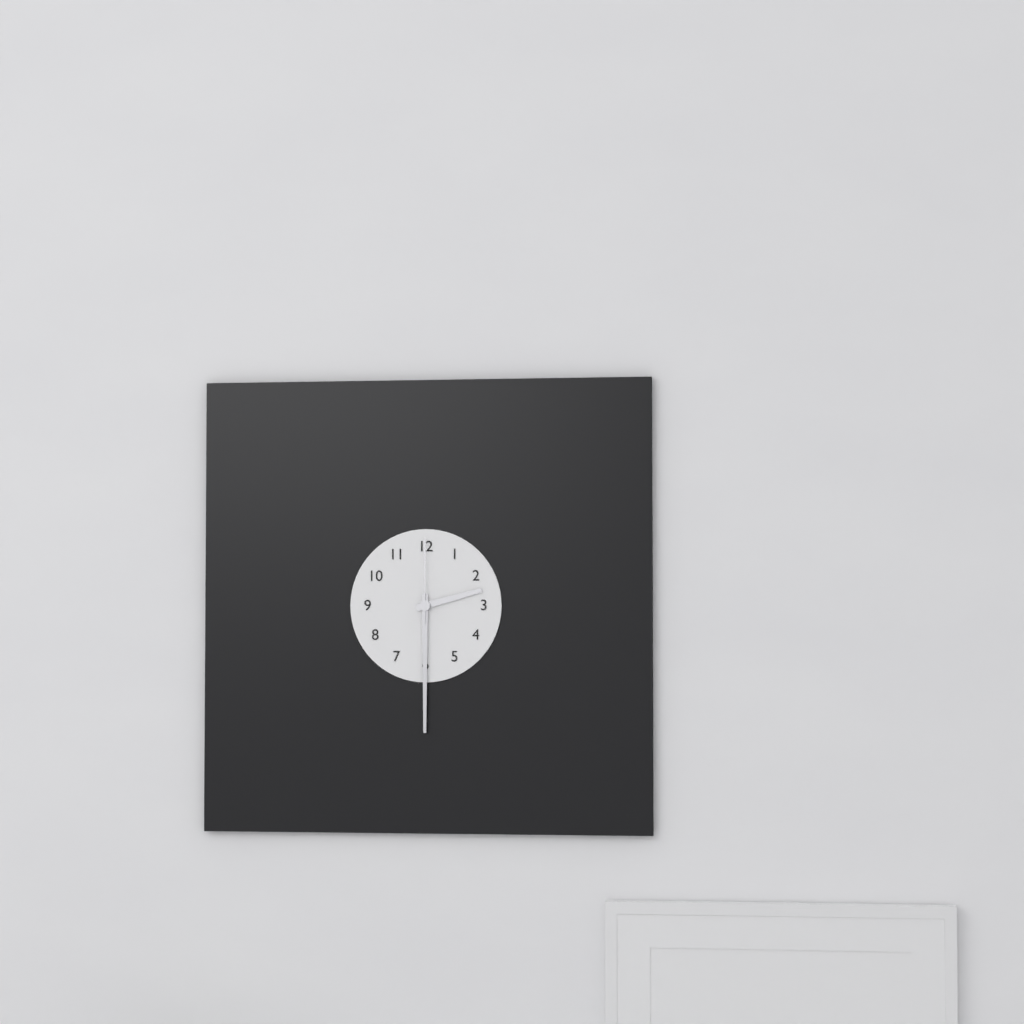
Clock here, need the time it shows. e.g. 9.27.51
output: 2.30.00
